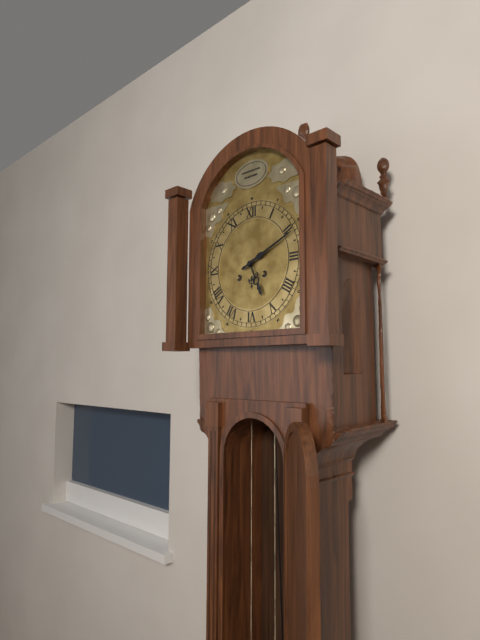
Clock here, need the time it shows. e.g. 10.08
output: 5.11
